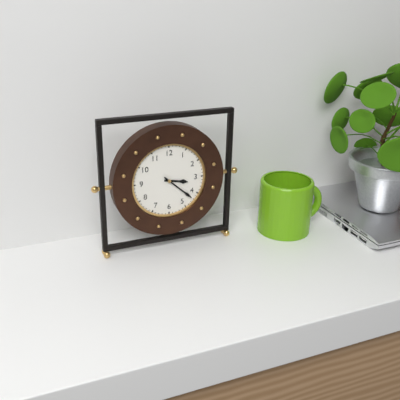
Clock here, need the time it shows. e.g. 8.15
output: 3.22
